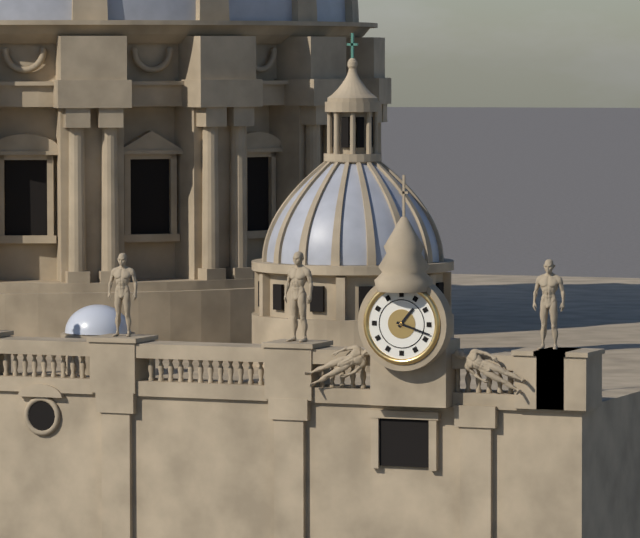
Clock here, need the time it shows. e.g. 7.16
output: 1.18
